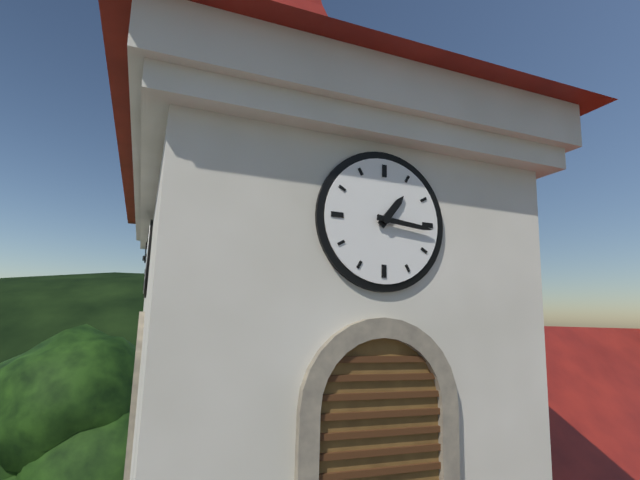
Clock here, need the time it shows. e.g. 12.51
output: 1.16
